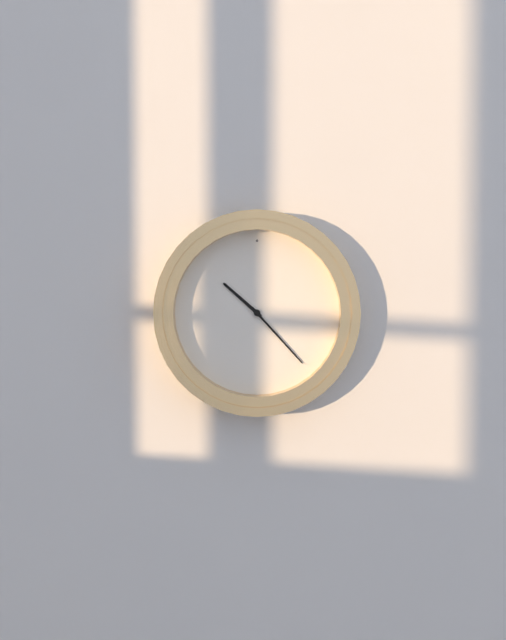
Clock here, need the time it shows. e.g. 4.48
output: 10.23
